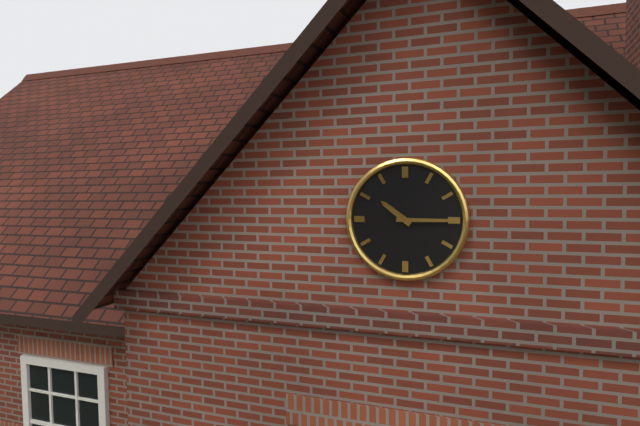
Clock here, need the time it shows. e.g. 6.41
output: 10.15
